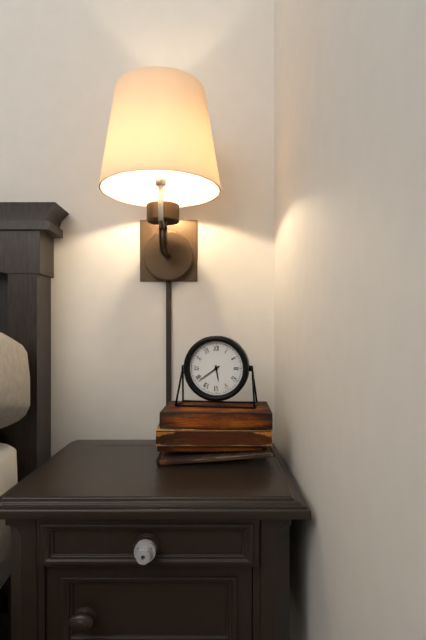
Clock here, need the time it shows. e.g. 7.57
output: 5.39
